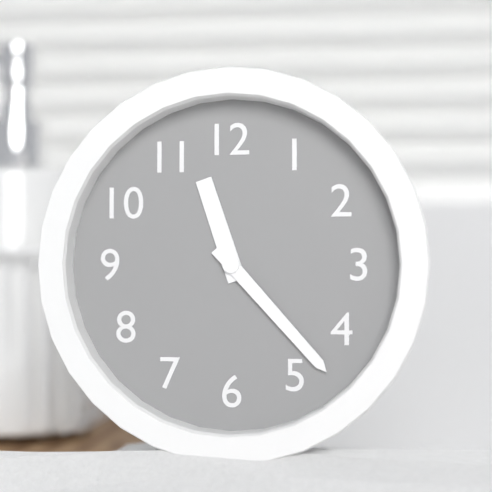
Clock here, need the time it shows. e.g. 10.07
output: 11.23
